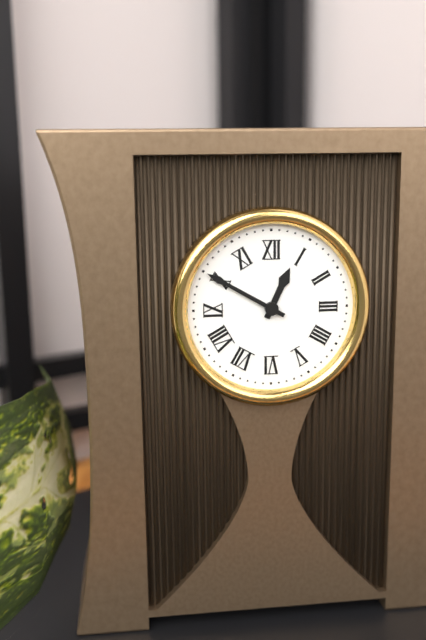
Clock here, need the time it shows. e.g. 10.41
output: 12.50
